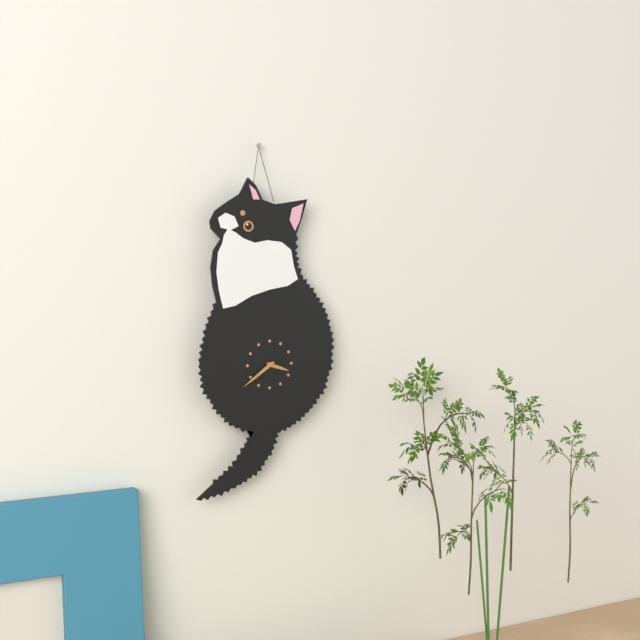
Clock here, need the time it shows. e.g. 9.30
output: 3.39
